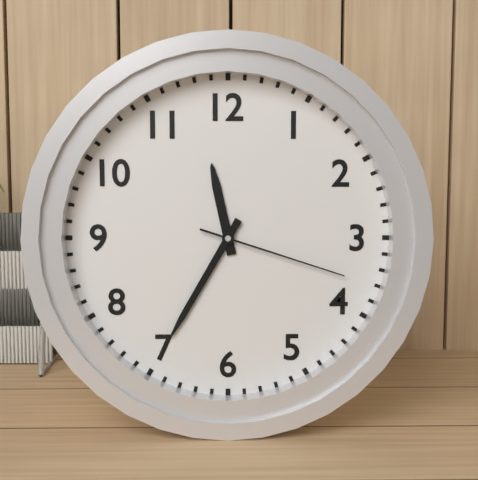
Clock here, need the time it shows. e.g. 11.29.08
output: 11.35.18
